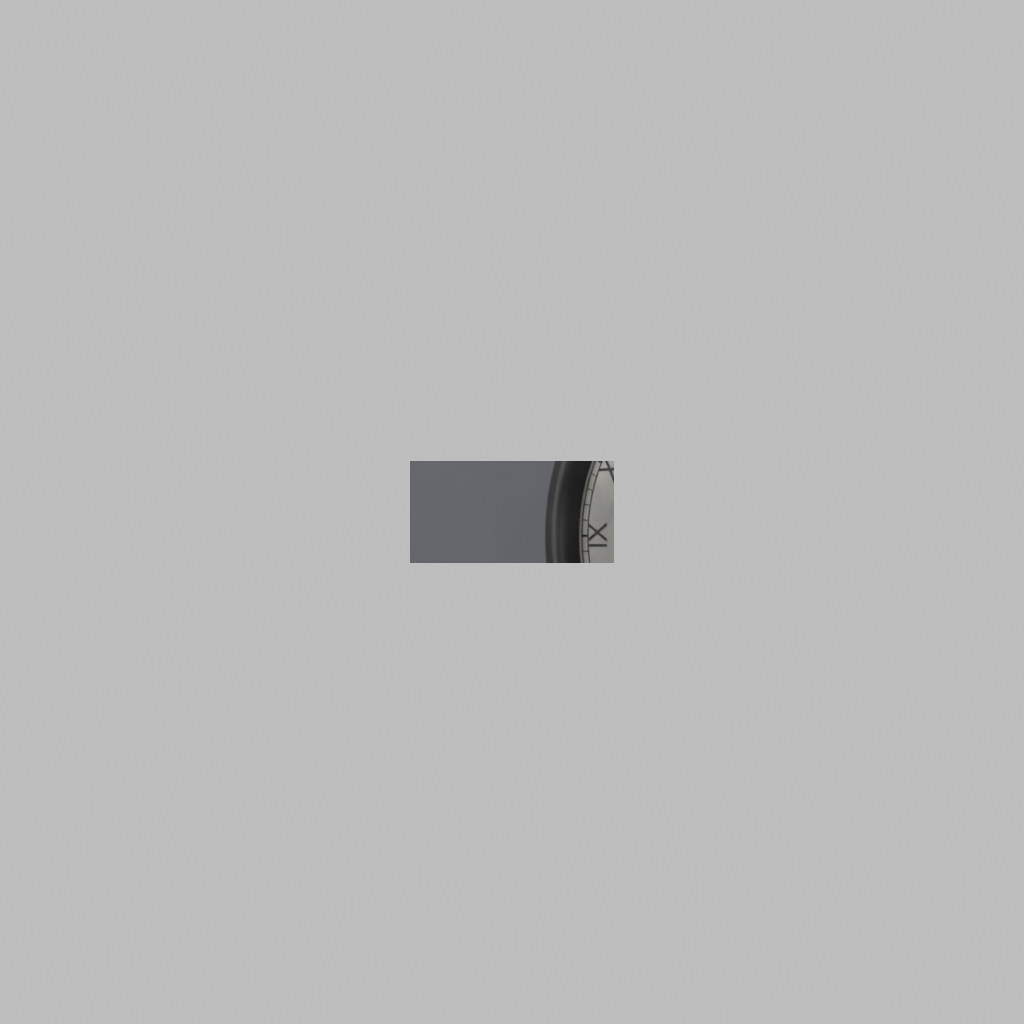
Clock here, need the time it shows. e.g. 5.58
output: 2.07
